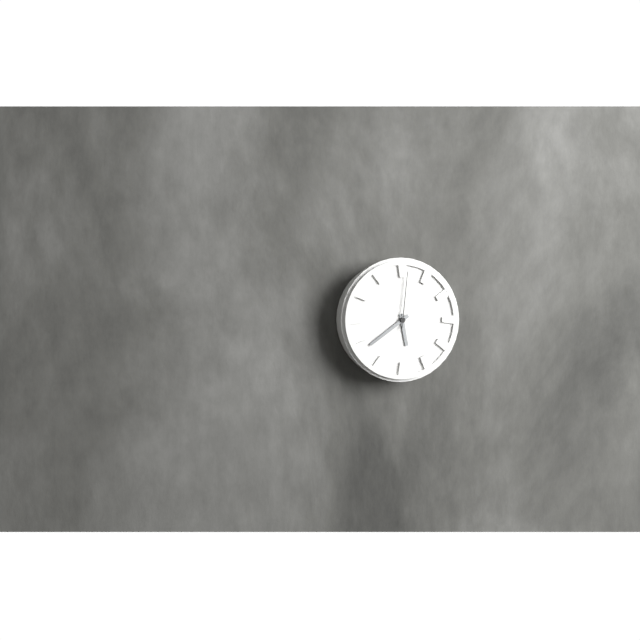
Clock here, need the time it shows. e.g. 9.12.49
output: 5.39.01
